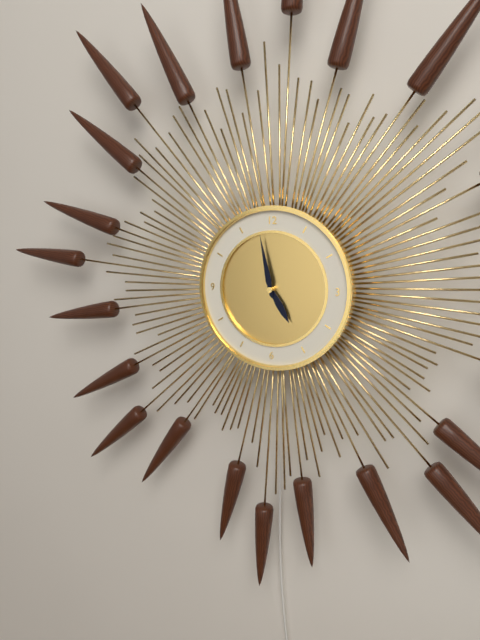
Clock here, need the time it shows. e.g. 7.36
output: 4.58
